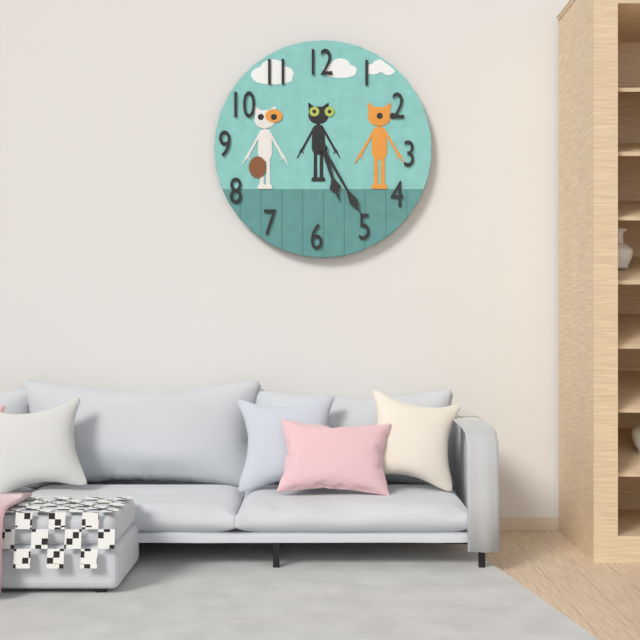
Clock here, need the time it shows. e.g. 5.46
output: 5.25
